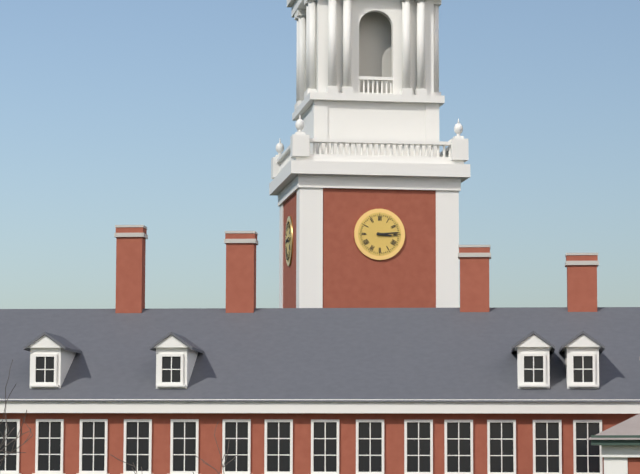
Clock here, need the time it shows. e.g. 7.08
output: 3.14
